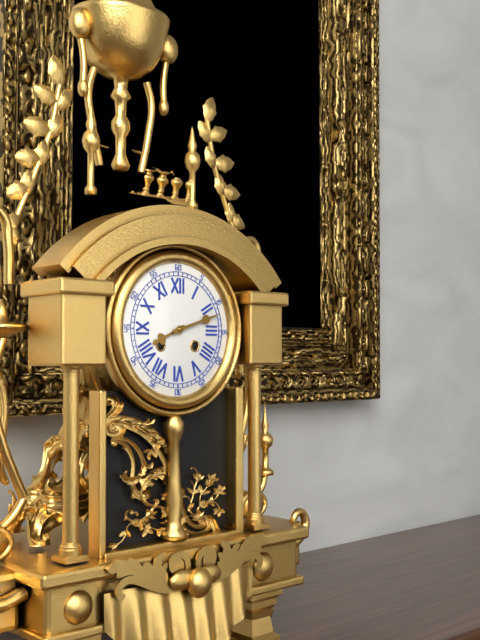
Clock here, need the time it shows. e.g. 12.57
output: 8.12
